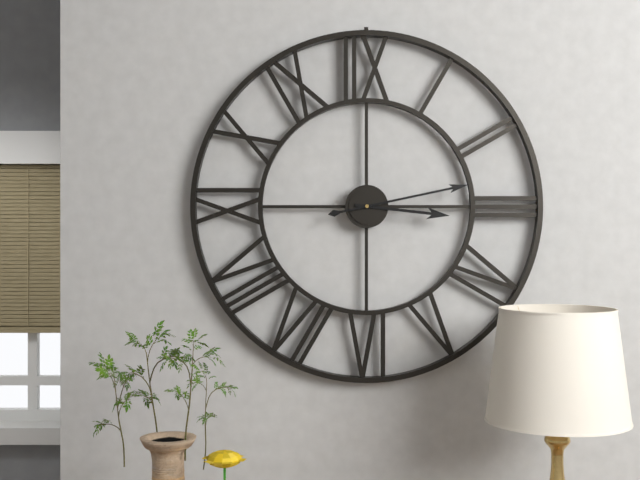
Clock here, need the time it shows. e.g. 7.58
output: 3.13
